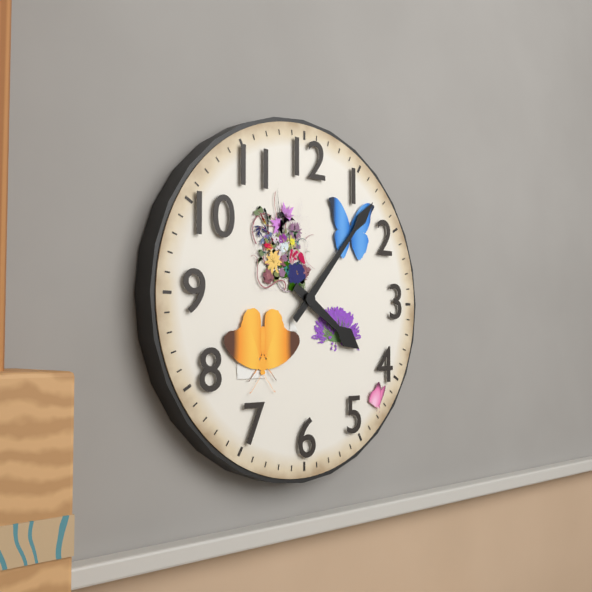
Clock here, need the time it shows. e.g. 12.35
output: 4.07
